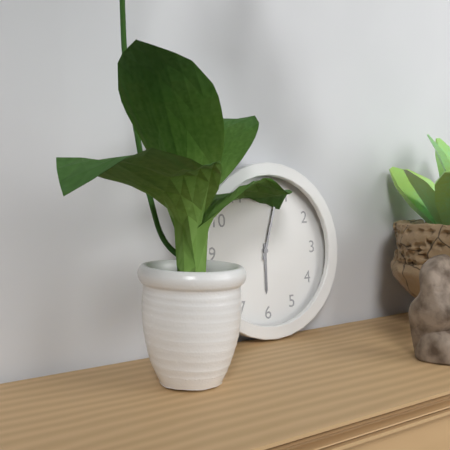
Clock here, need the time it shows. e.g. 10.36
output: 6.03
